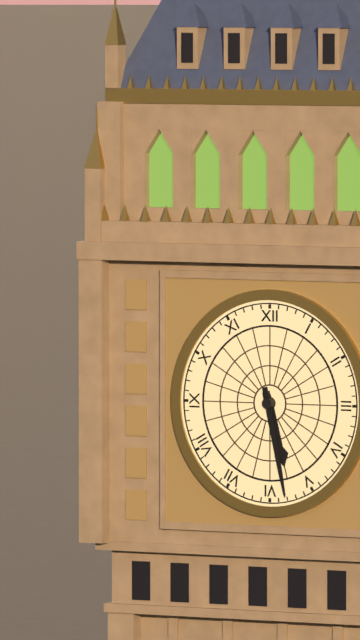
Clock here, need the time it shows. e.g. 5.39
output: 5.28
